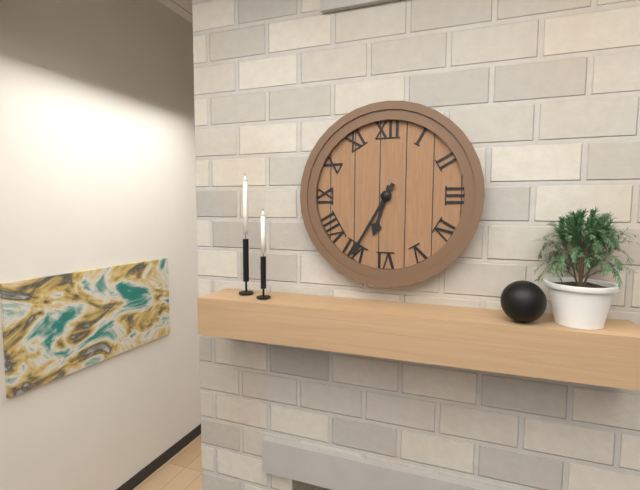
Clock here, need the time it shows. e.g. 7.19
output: 6.35
